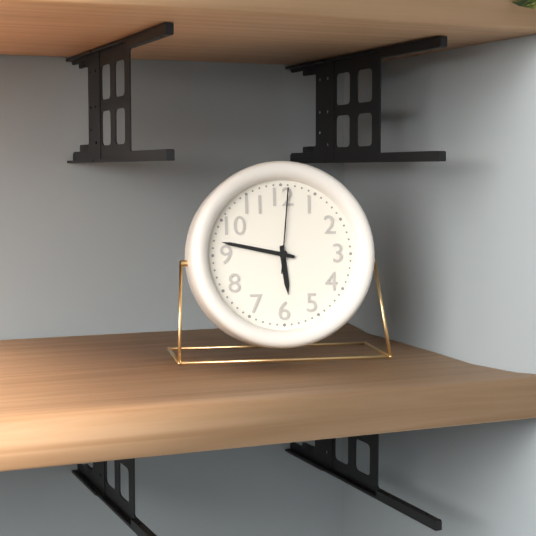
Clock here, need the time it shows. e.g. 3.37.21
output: 5.47.01
